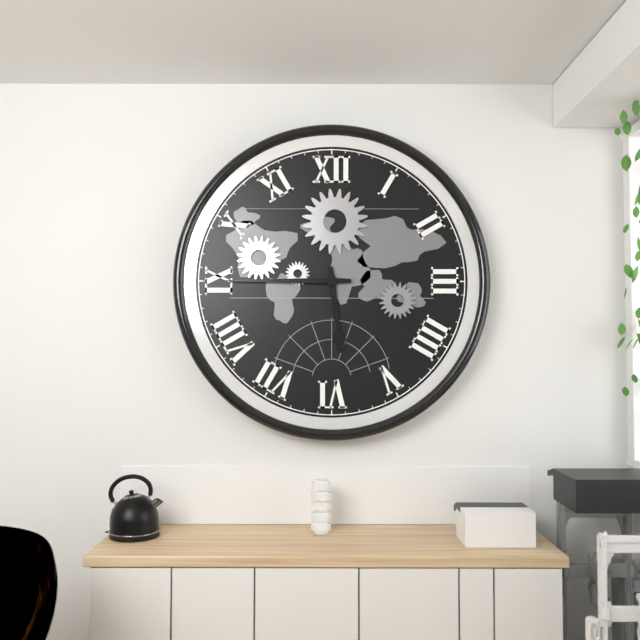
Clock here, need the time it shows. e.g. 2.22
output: 5.45
